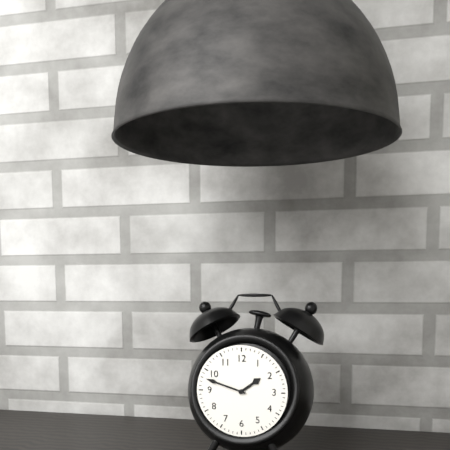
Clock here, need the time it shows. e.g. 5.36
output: 1.48
